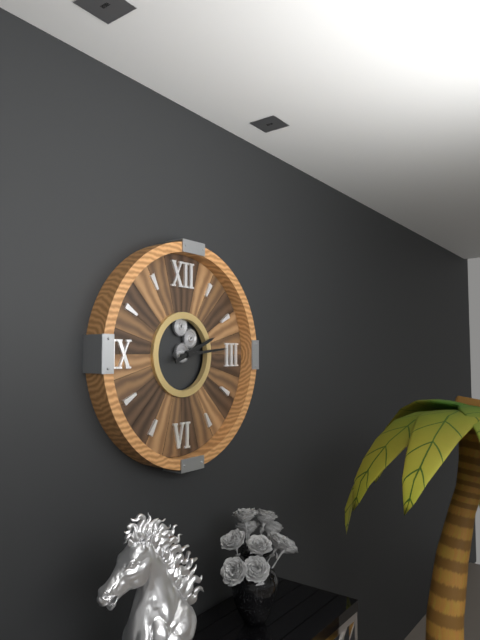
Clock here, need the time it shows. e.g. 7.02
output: 2.14
